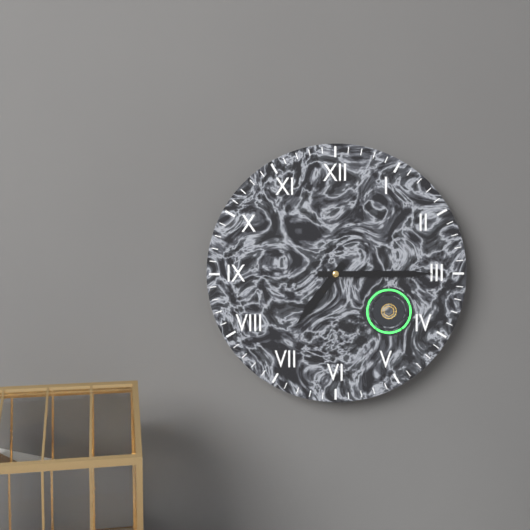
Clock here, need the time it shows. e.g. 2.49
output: 7.15
